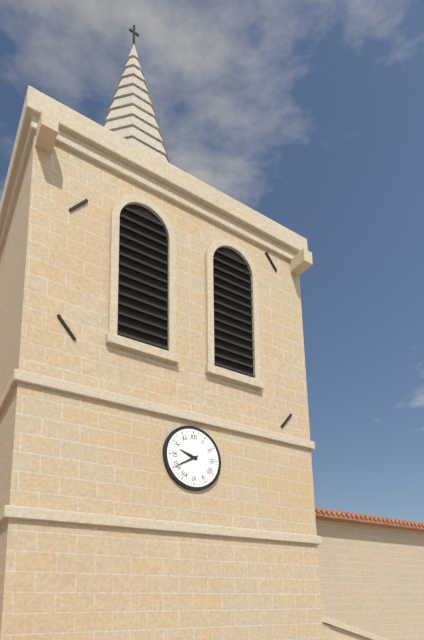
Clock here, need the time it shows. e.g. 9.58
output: 9.40
